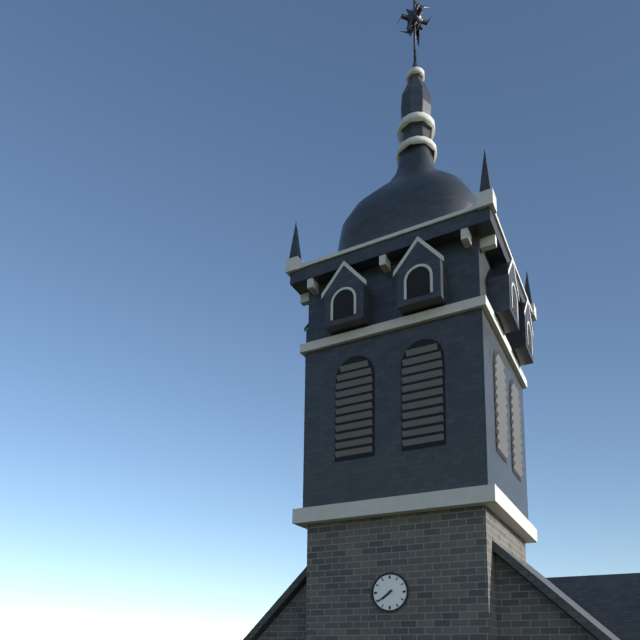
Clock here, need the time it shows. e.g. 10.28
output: 7.39
